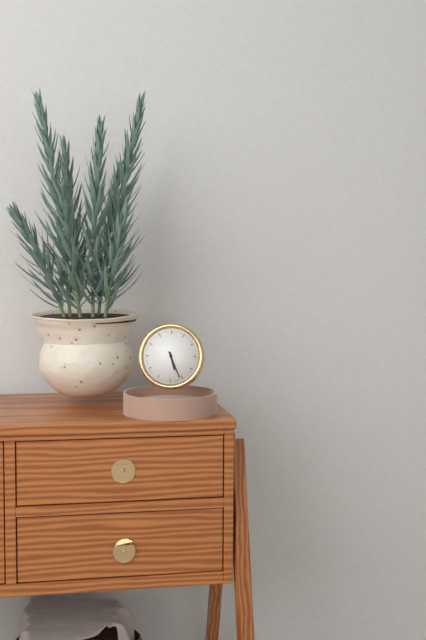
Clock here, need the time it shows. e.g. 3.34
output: 5.26
